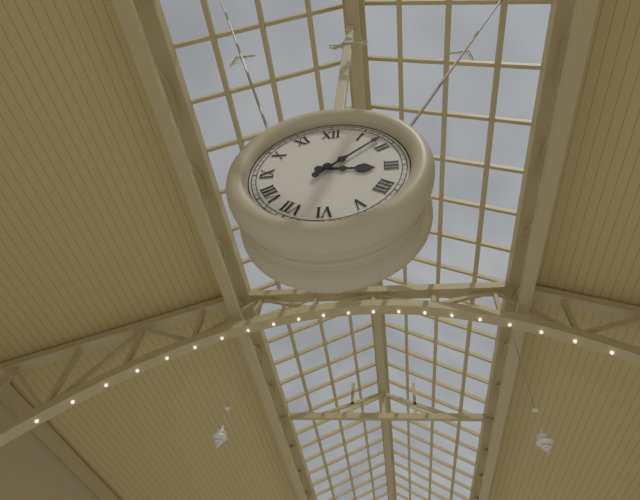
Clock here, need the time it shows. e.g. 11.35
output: 3.08
